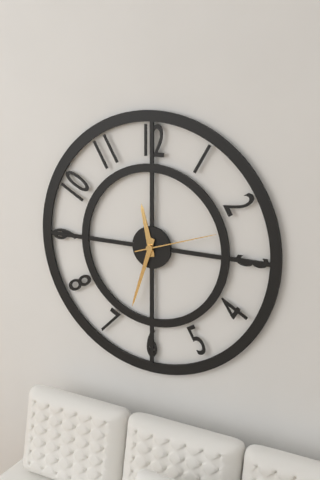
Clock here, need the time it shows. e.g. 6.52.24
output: 11.33.12
